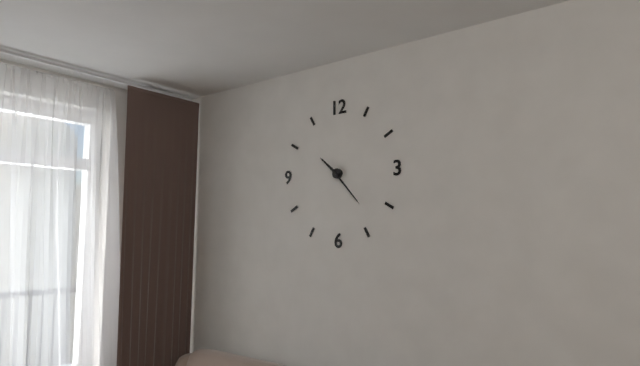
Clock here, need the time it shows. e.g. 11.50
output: 10.23
